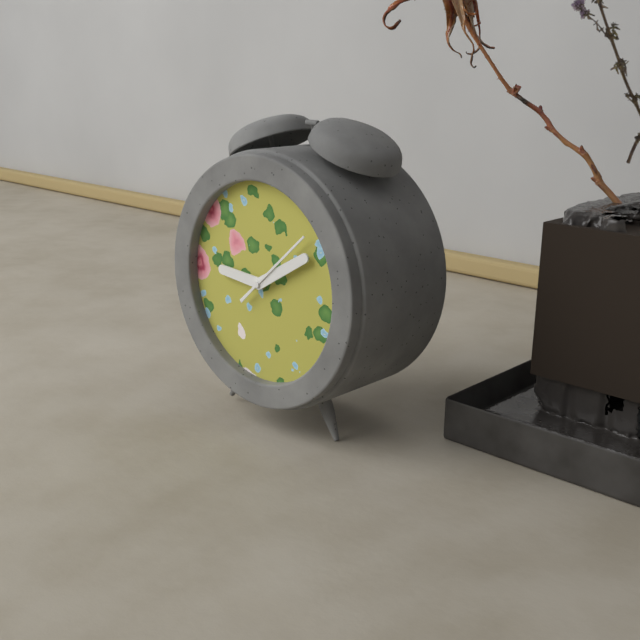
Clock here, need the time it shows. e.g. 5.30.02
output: 9.10.08
